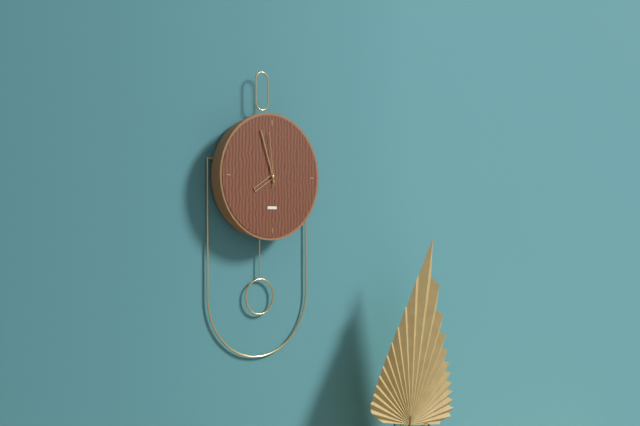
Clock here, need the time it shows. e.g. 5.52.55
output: 7.57.59
